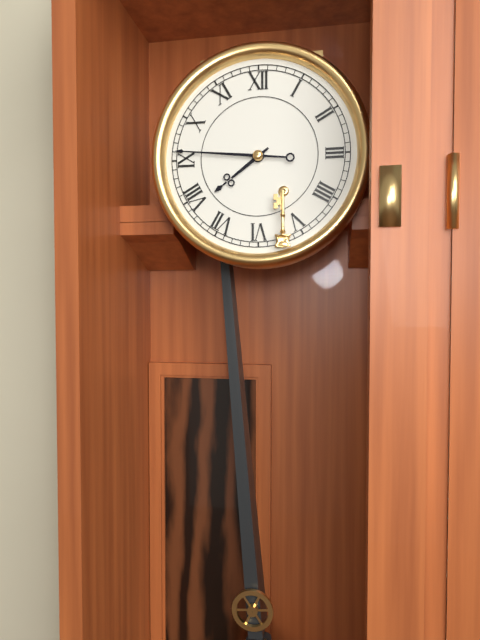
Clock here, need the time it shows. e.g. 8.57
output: 7.46
